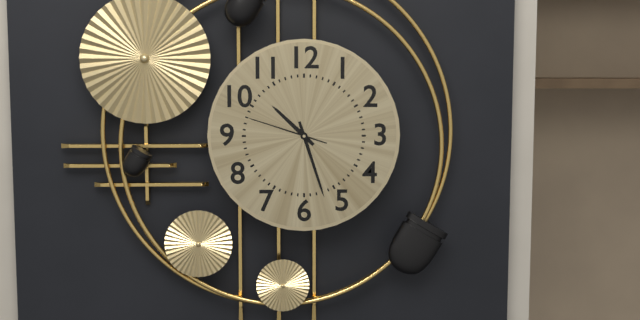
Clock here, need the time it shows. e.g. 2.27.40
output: 10.27.48
